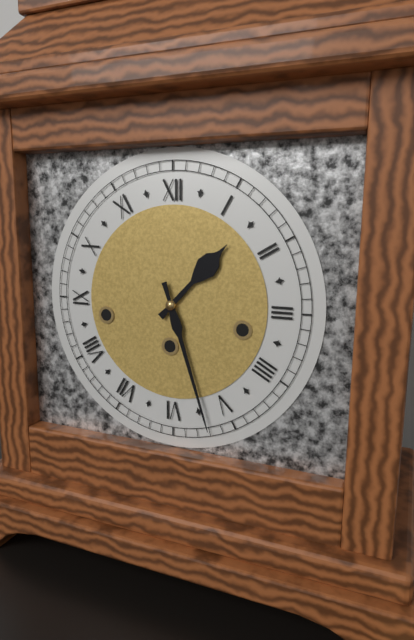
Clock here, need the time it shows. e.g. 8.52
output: 1.27
